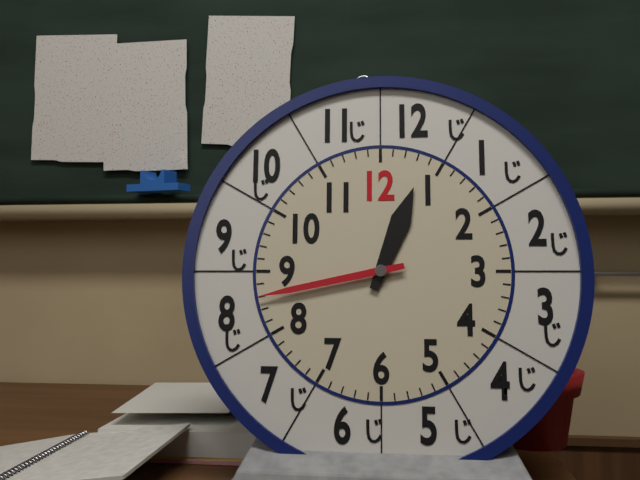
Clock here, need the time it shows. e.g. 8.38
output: 12.43
